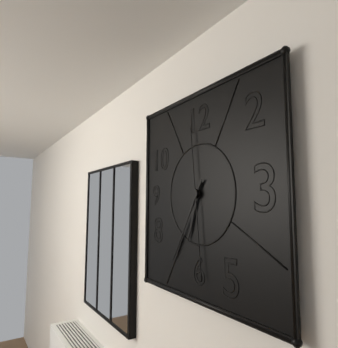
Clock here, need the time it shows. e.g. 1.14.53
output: 6.35.29
